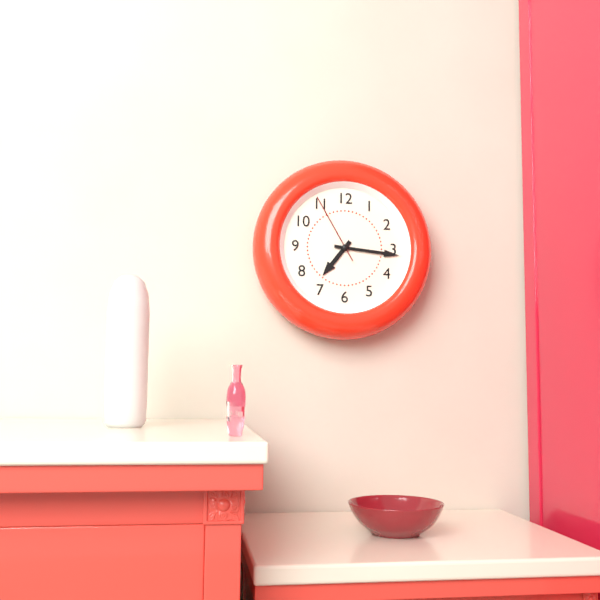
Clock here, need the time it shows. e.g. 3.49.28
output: 7.16.55
